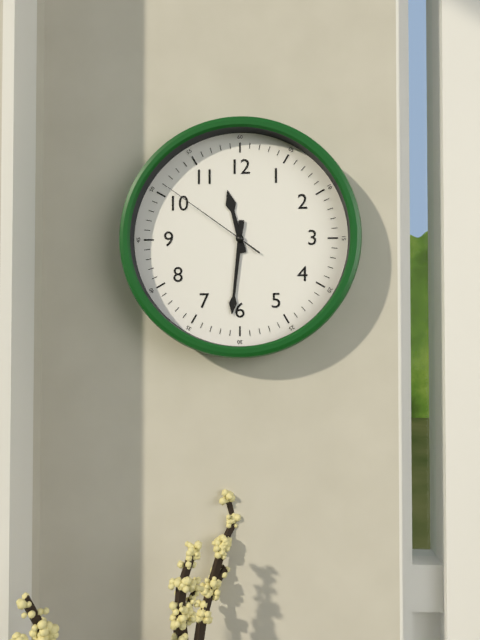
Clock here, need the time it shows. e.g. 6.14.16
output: 11.31.51
